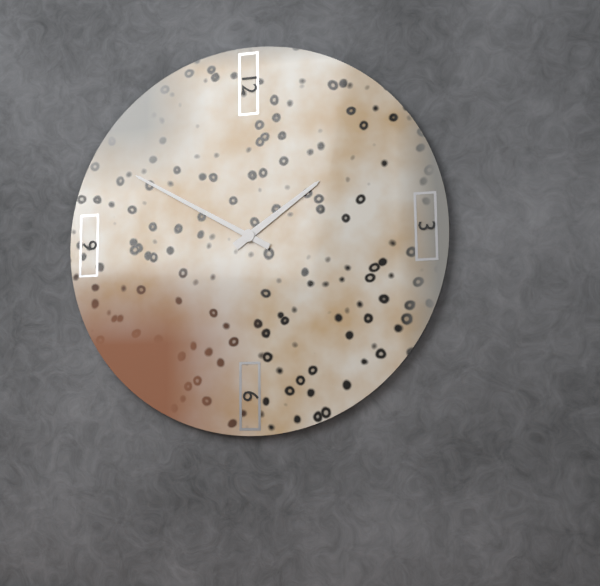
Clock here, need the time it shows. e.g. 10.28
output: 1.50
